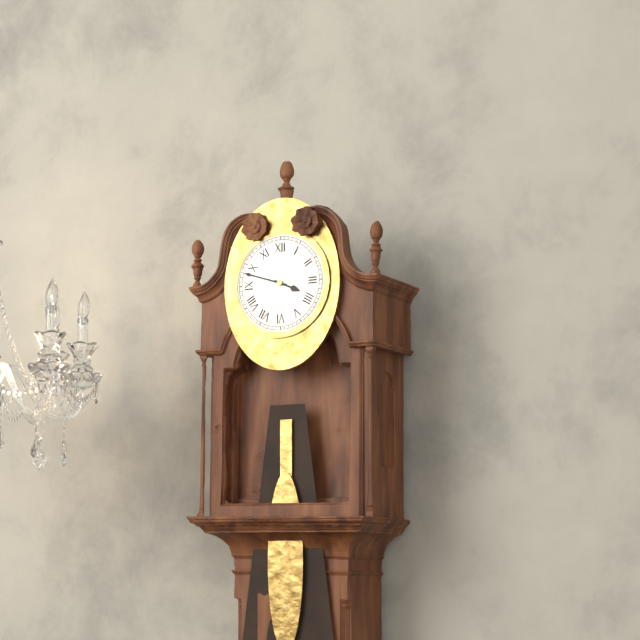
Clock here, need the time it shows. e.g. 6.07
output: 3.48
